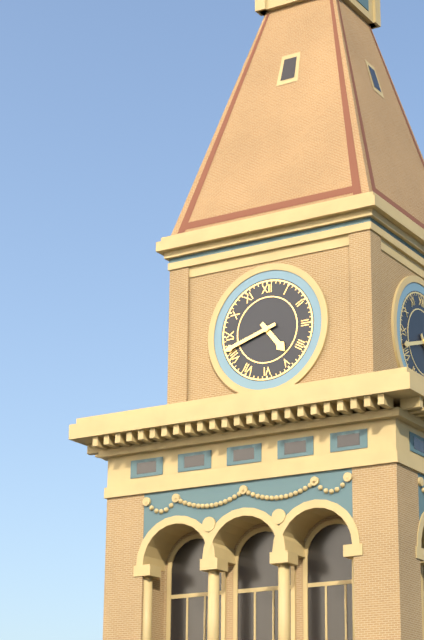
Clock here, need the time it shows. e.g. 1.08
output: 4.42
